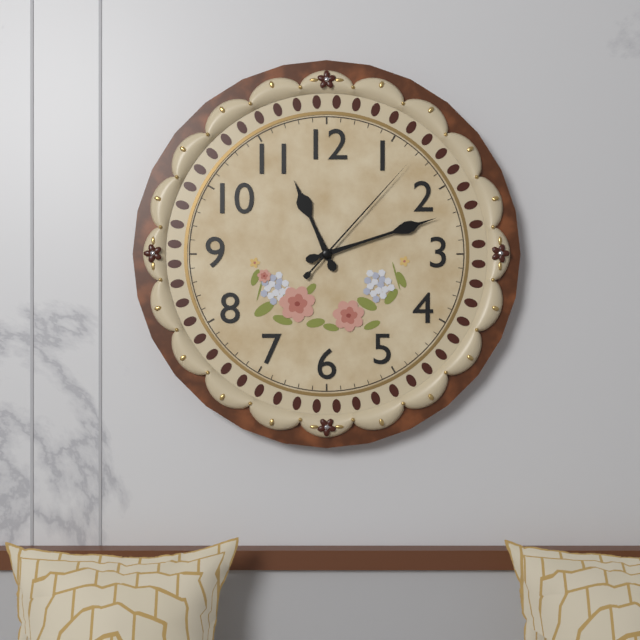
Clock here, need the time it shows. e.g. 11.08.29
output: 11.12.07
